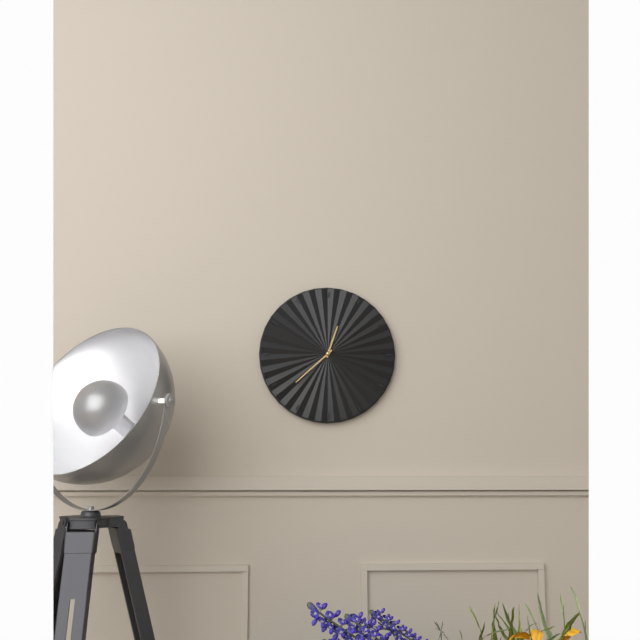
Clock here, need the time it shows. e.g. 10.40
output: 12.38
